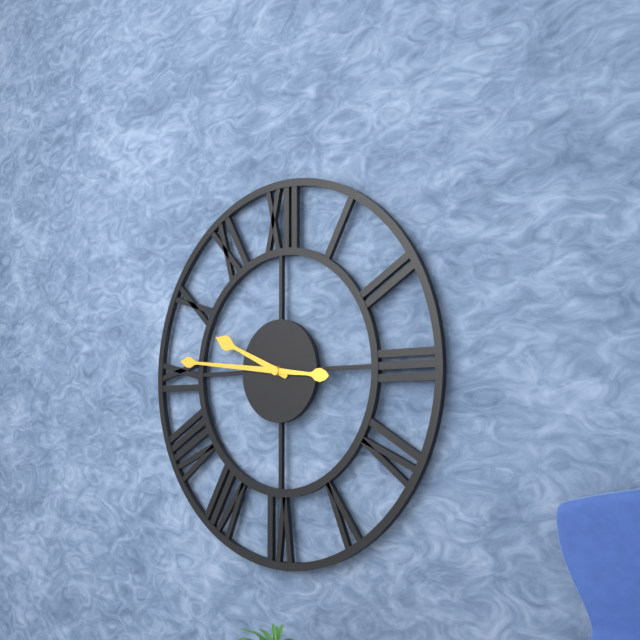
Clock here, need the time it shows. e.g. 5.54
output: 9.46
